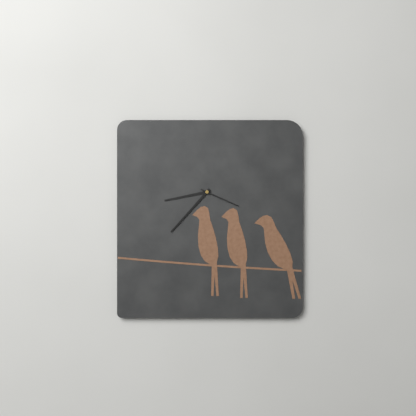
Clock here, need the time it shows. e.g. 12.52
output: 8.37
